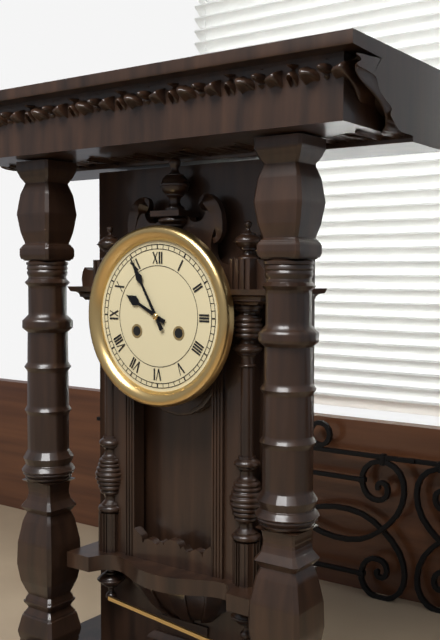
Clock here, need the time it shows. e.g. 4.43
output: 9.55
